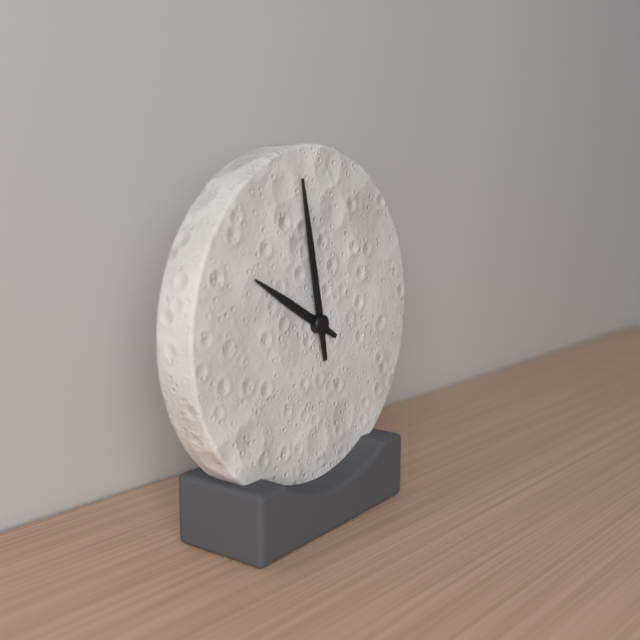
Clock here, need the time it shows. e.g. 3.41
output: 9.58
